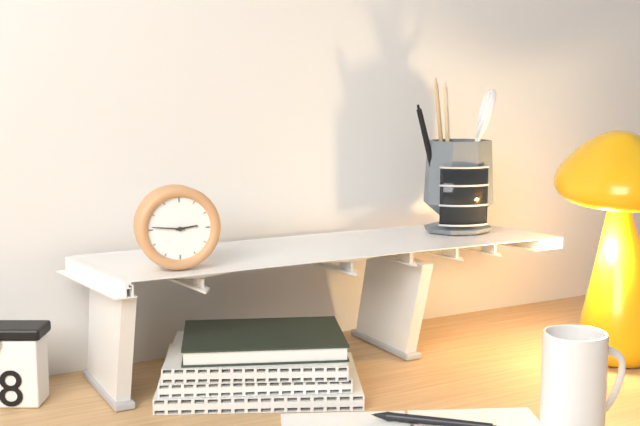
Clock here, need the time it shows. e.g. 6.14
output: 2.46
